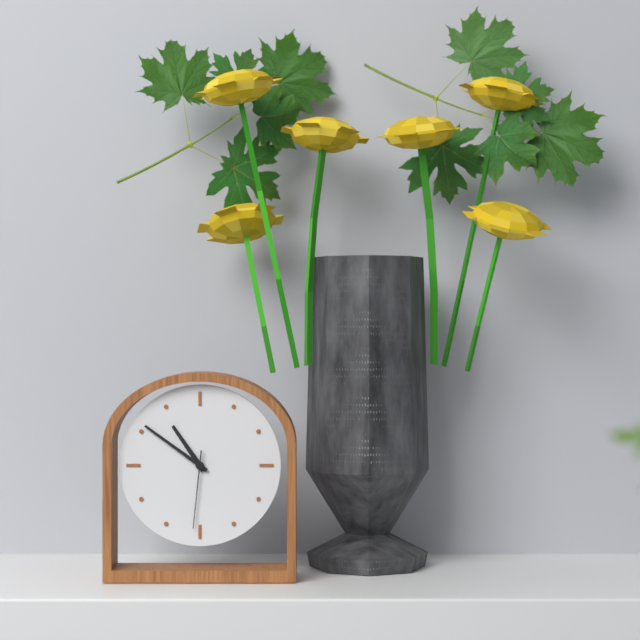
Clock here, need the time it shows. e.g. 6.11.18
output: 10.51.31
